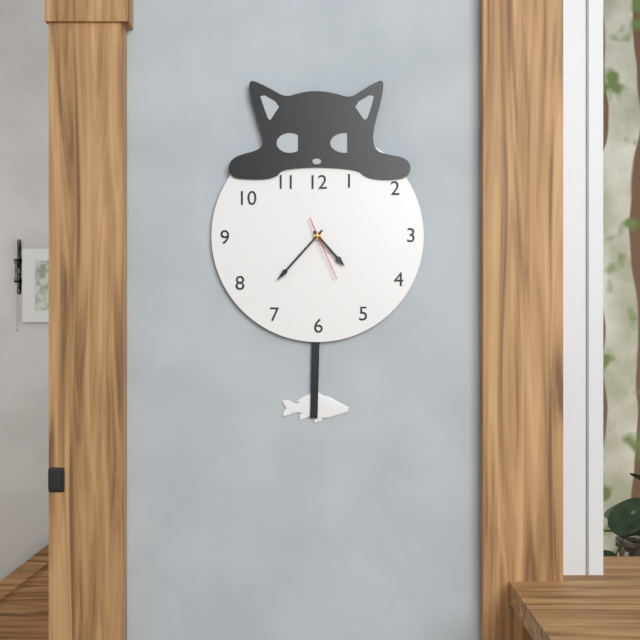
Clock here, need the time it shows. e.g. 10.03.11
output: 4.37.26
